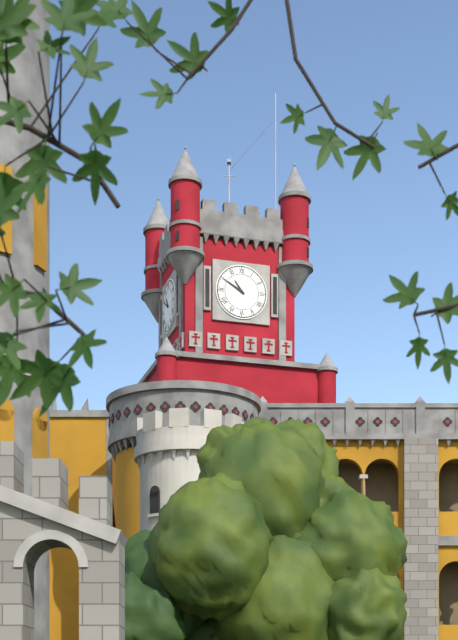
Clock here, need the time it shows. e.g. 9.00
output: 10.50
